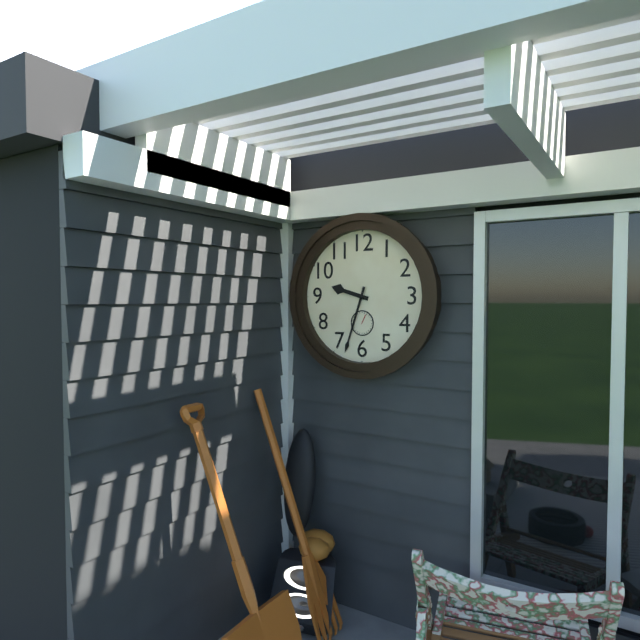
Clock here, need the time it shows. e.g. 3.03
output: 9.33
